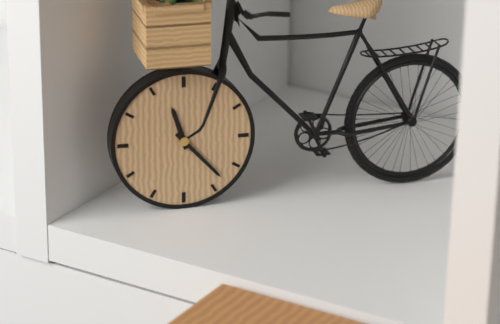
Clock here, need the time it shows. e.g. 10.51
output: 11.23
